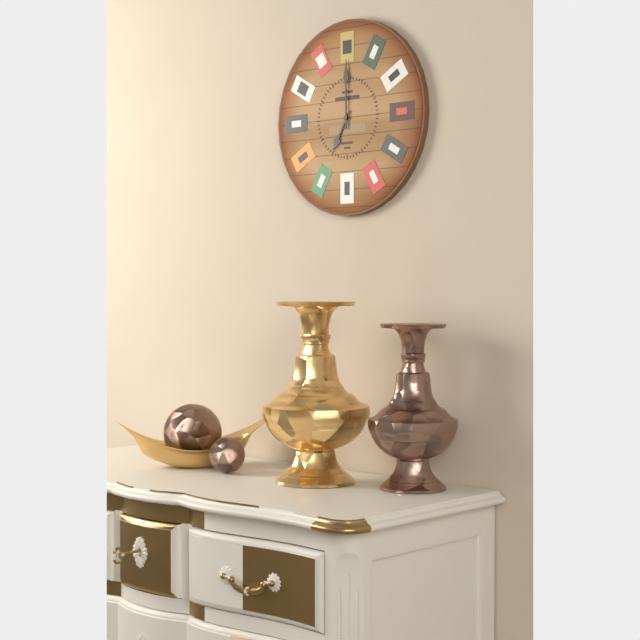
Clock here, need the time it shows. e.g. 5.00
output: 7.00
